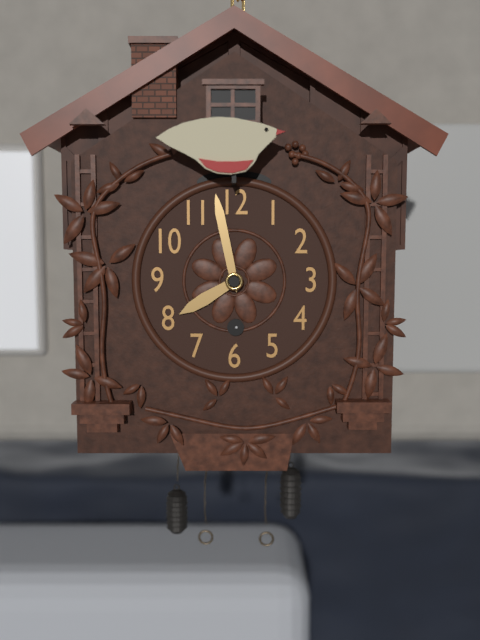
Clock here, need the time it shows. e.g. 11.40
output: 7.58
